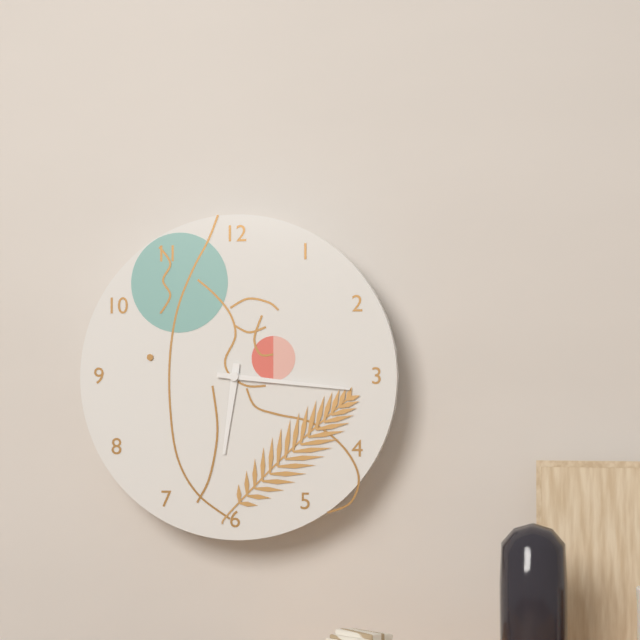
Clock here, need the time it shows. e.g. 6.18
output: 6.16
